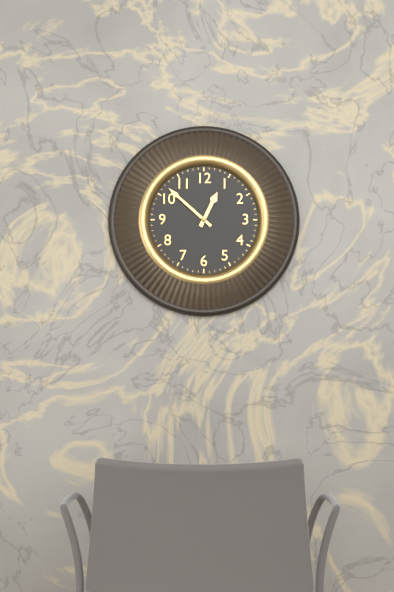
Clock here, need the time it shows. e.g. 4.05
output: 12.52
